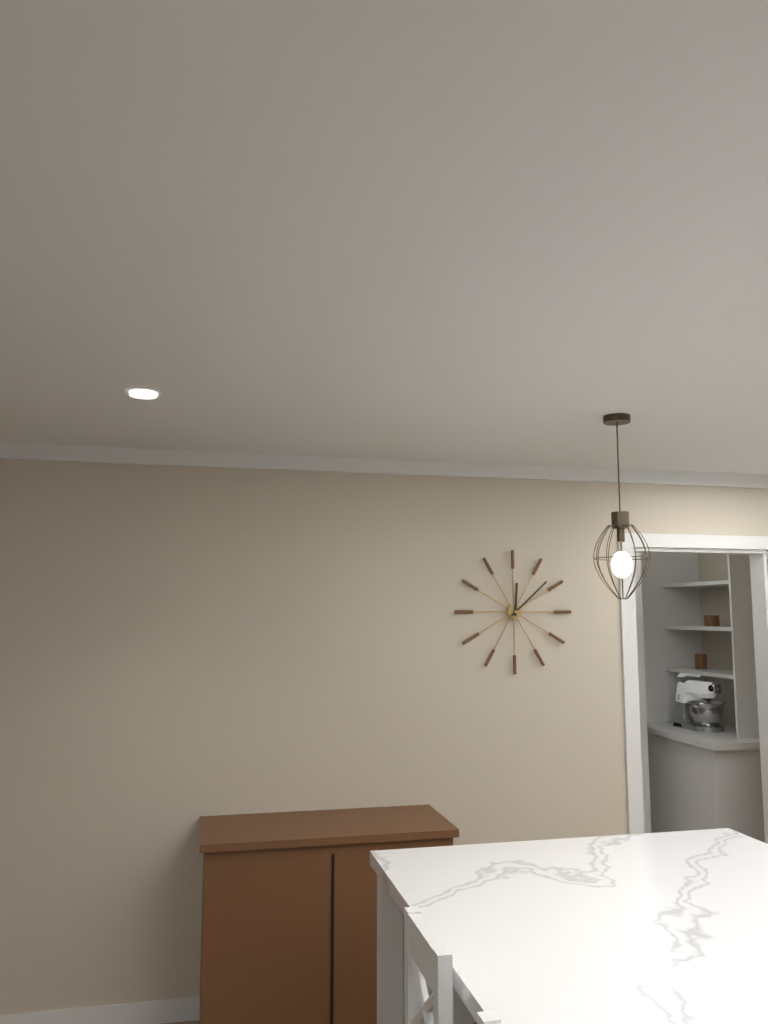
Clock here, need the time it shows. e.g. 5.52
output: 12.08
